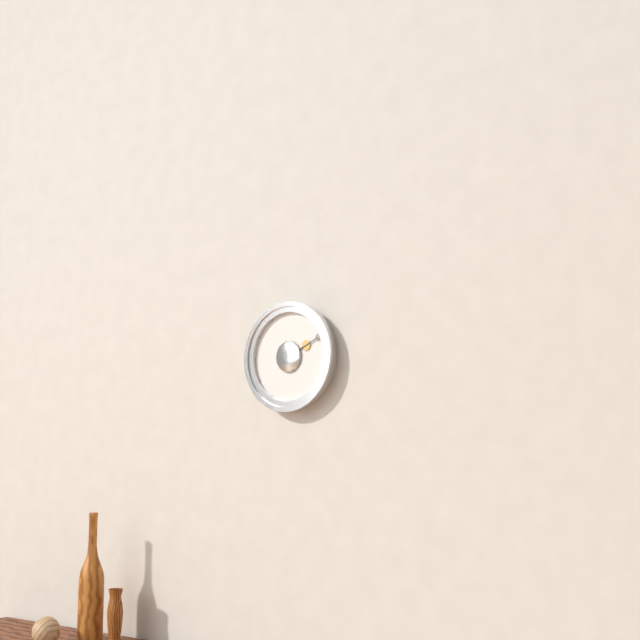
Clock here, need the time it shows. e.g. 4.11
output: 2.11
